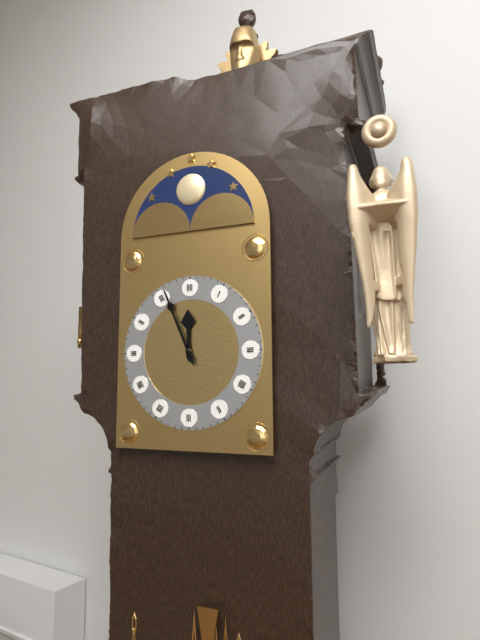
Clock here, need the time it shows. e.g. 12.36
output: 11.56
